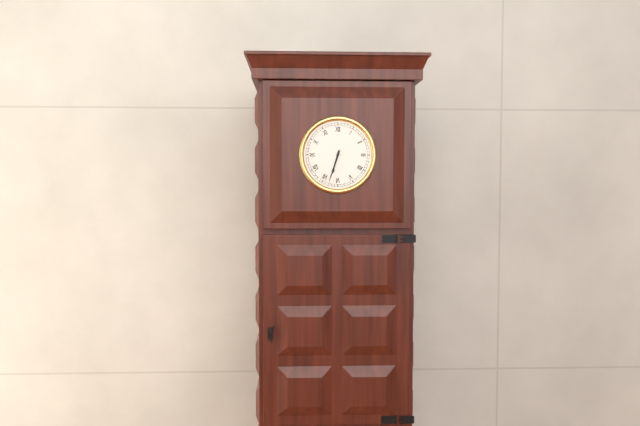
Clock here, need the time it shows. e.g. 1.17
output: 6.33
